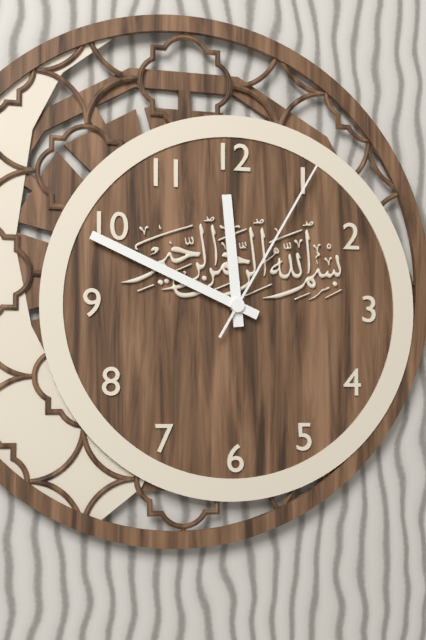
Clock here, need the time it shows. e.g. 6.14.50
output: 11.49.05
